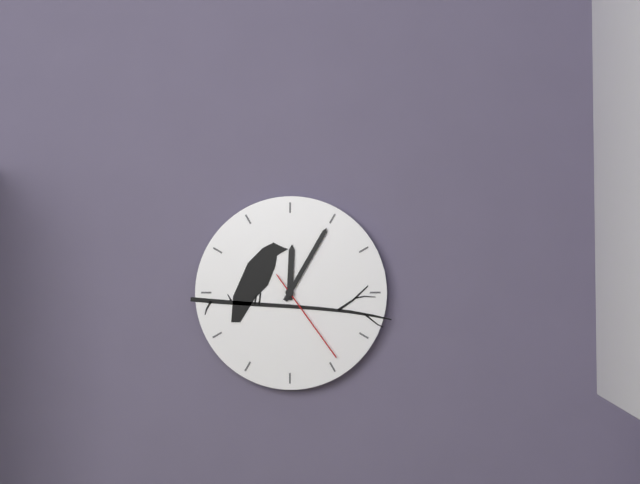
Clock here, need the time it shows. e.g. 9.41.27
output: 12.05.24
